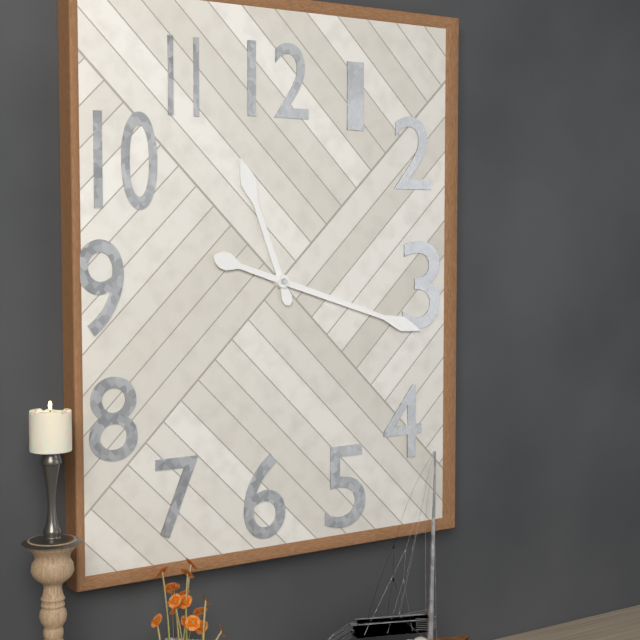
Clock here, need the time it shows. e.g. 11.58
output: 11.18
